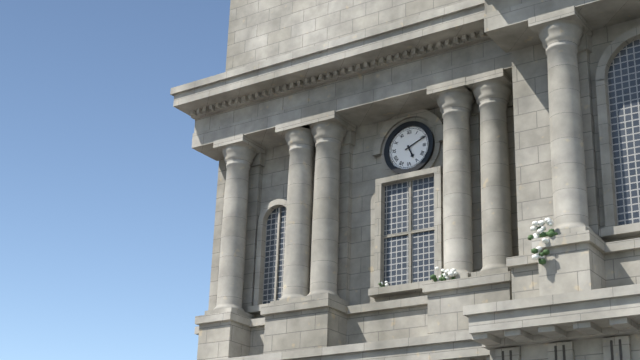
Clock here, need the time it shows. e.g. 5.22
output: 5.11
